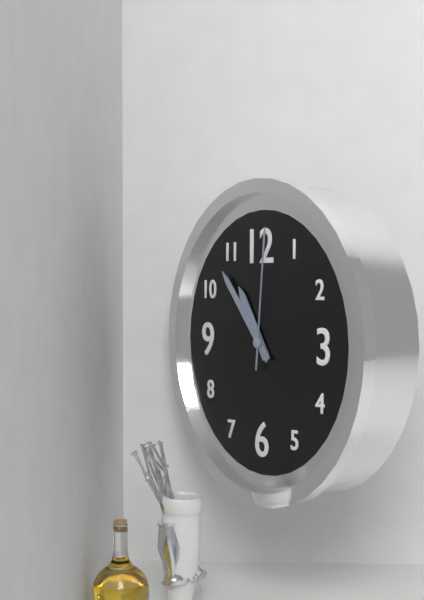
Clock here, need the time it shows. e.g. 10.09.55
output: 10.53.01
